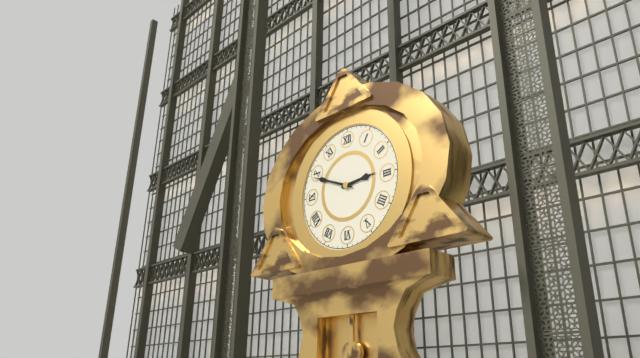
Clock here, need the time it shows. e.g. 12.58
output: 2.49
